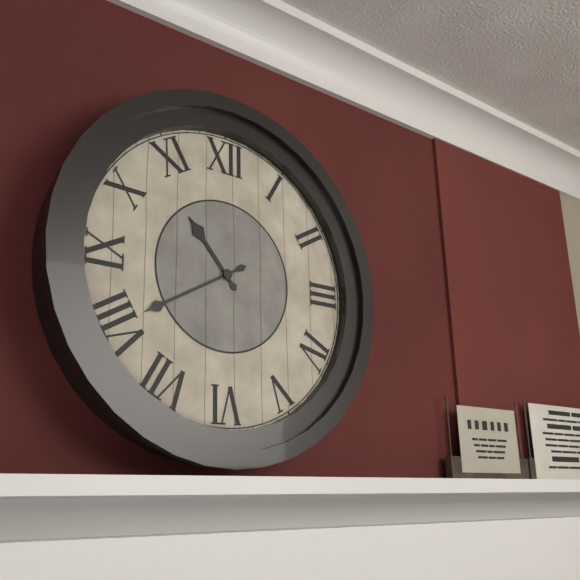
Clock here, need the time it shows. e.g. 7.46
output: 10.40
